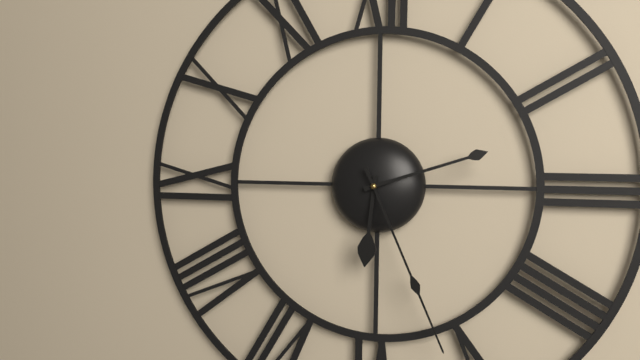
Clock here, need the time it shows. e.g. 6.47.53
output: 6.12.26
